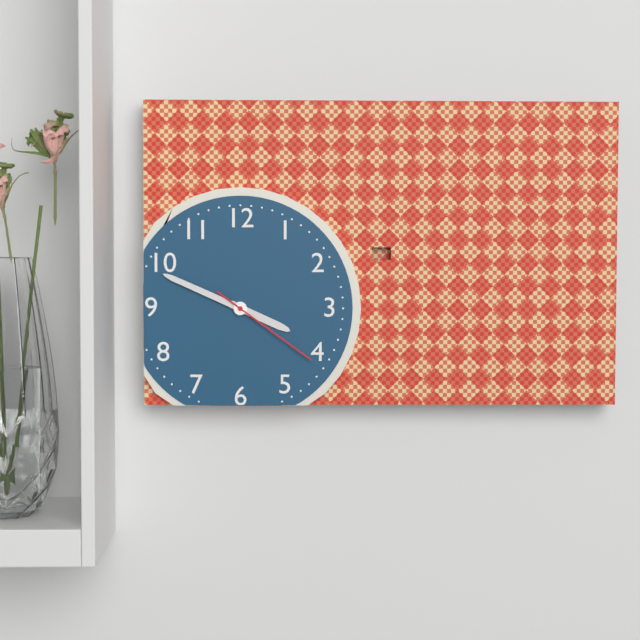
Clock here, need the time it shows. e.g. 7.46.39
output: 3.49.21
